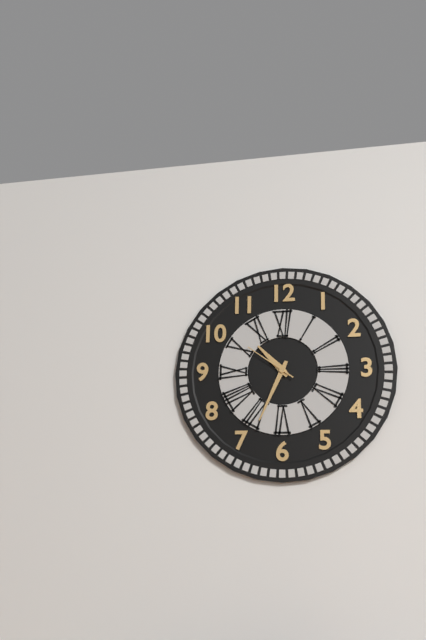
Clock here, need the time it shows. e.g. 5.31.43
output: 10.34.51
